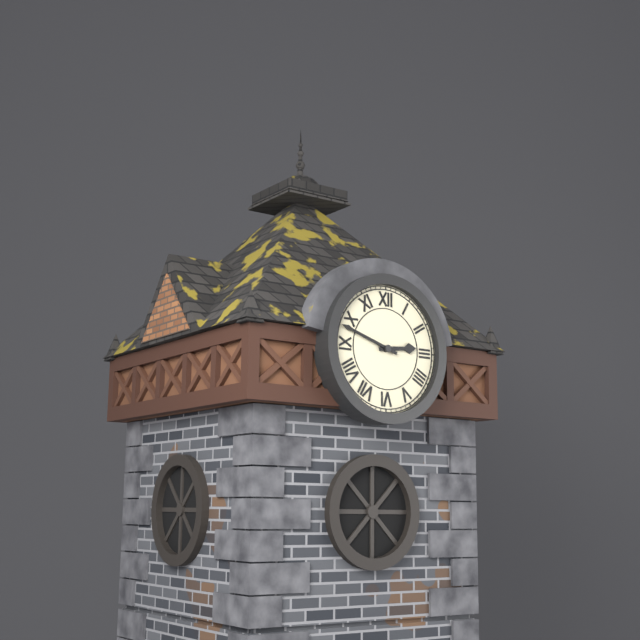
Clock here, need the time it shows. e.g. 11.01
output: 2.48
